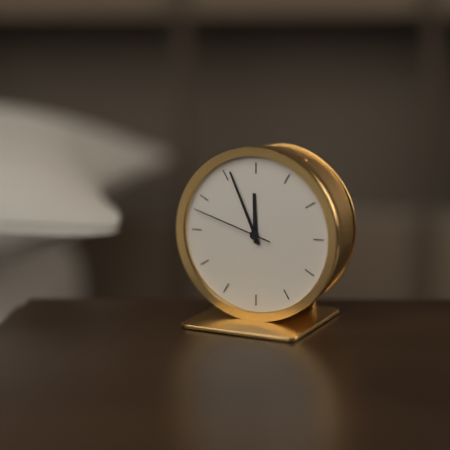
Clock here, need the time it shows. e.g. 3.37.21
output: 11.56.48
